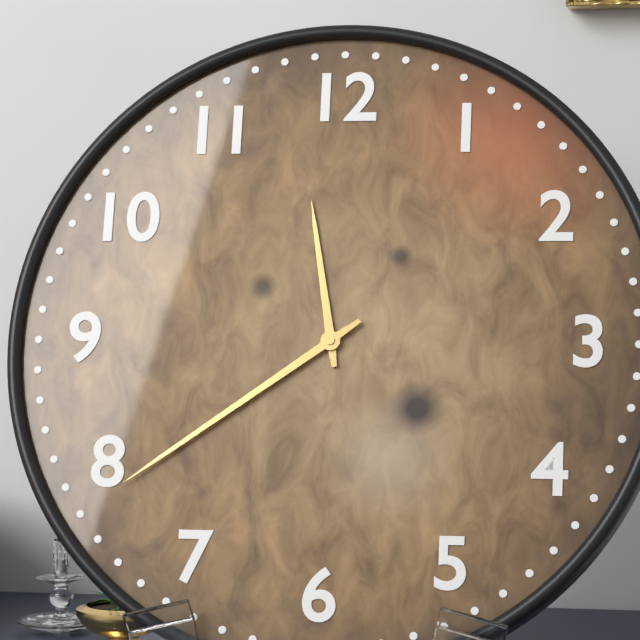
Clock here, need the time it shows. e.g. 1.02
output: 11.39
